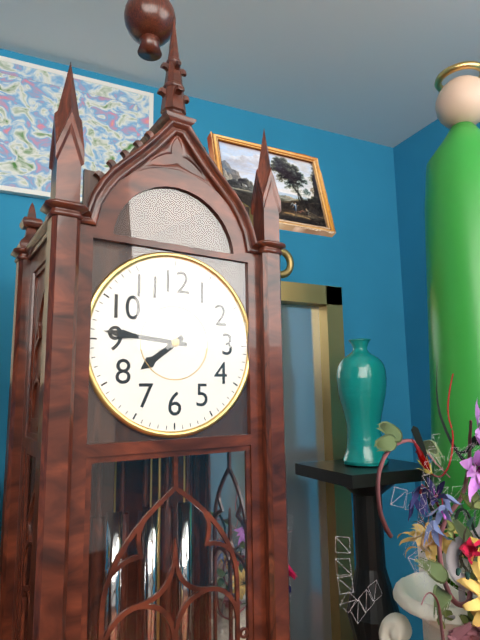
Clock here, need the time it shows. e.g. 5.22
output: 7.46
